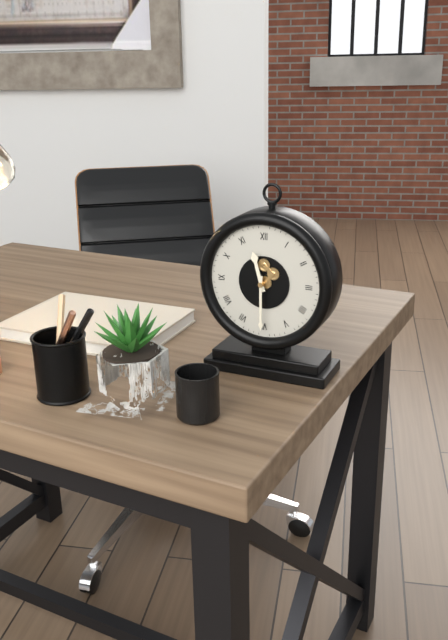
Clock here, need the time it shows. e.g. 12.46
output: 11.30
